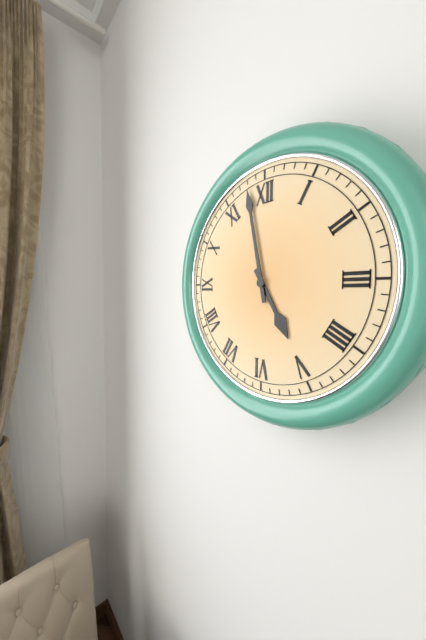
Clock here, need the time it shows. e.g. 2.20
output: 4.58
